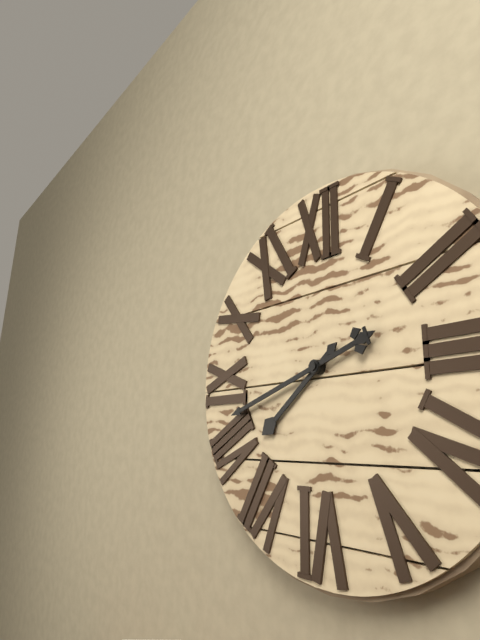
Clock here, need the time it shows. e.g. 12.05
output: 7.42
